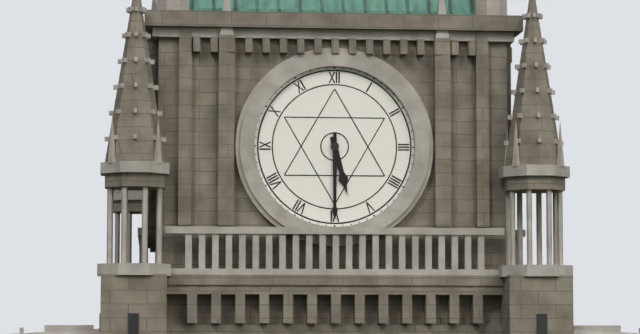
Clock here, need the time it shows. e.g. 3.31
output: 5.30
